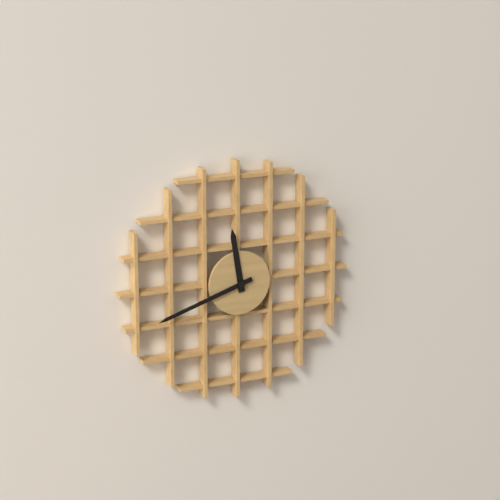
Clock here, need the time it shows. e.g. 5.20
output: 11.42
